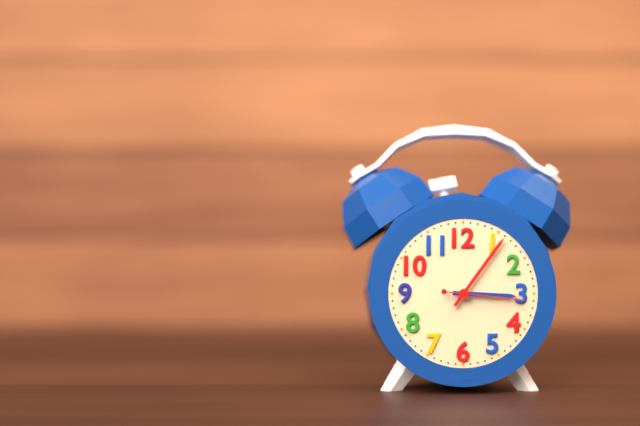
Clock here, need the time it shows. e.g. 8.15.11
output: 3.06.16
